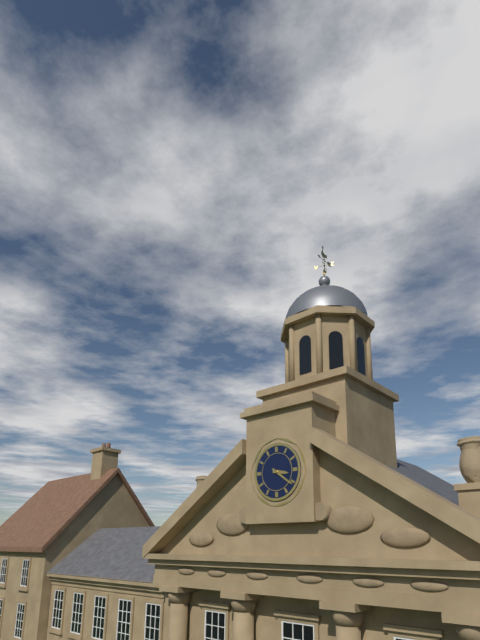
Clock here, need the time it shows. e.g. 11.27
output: 3.21
